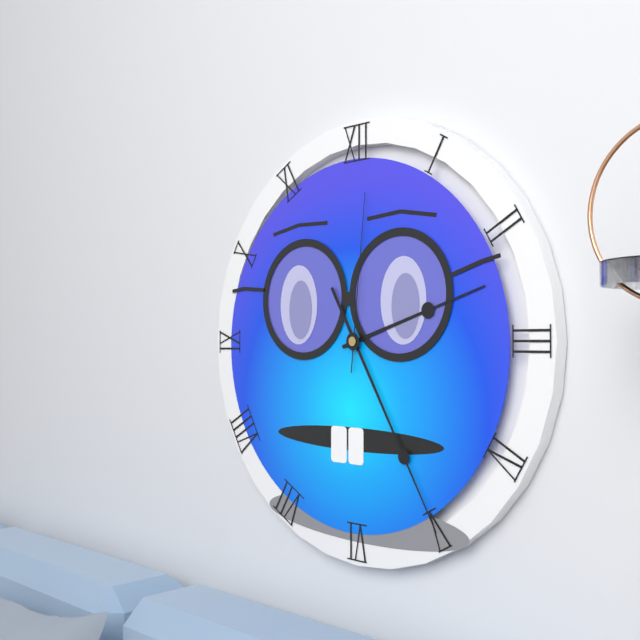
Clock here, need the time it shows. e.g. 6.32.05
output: 2.25.01
